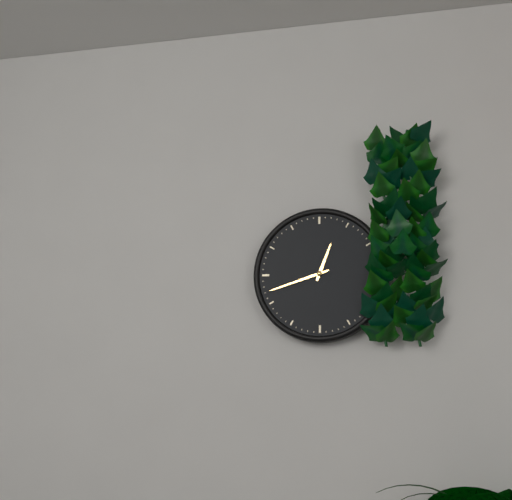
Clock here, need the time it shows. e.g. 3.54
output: 12.42
